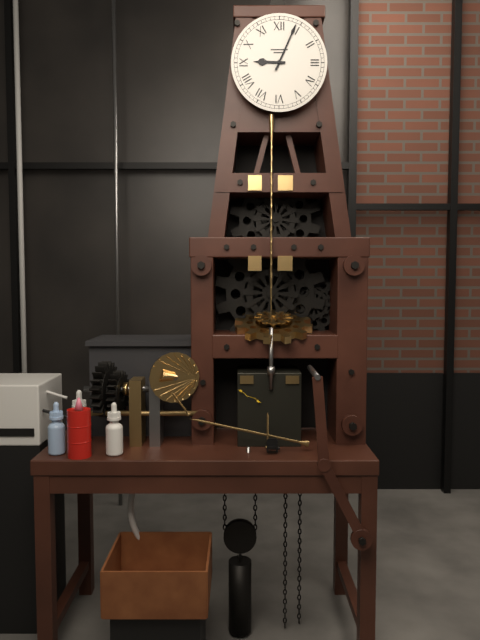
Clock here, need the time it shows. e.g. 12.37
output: 9.04
